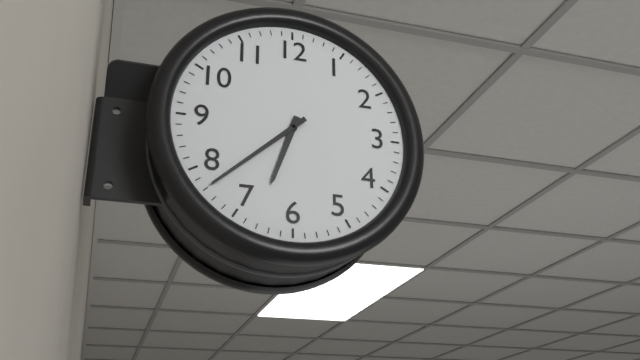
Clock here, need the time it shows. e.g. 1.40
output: 6.38
